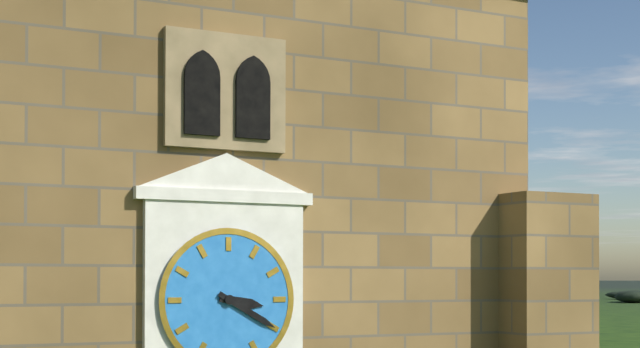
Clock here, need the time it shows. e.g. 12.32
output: 3.20
